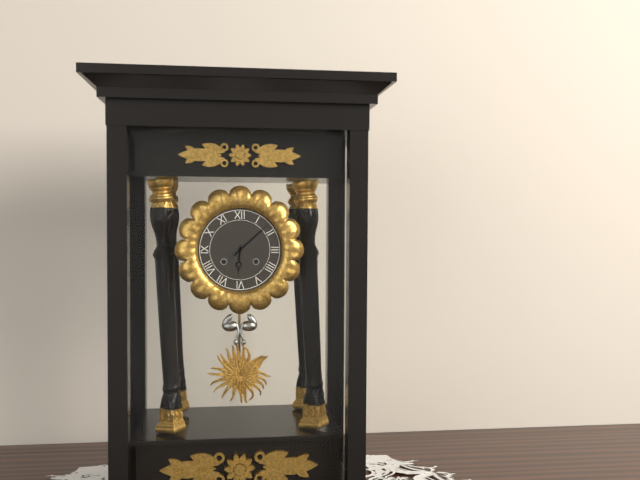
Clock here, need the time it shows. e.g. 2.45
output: 6.08
